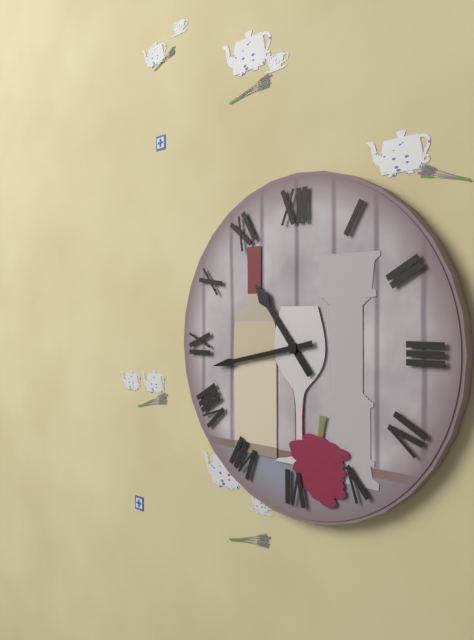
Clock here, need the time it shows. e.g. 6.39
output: 10.43
